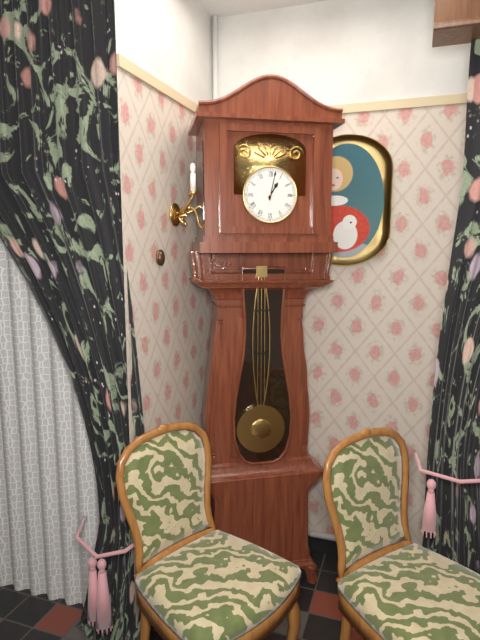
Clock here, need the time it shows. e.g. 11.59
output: 1.02
